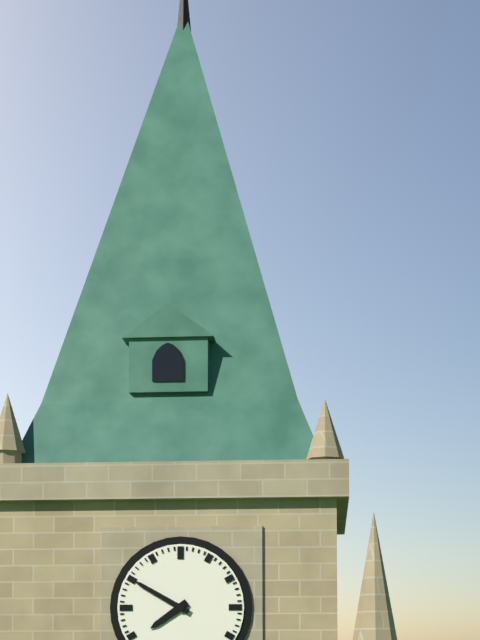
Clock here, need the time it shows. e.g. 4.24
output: 7.50
